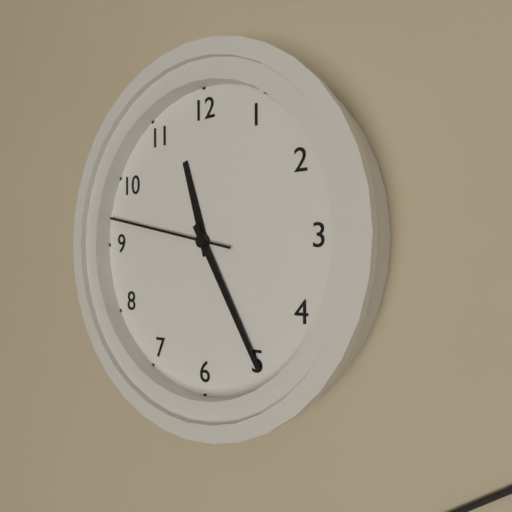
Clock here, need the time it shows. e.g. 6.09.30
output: 11.25.47
